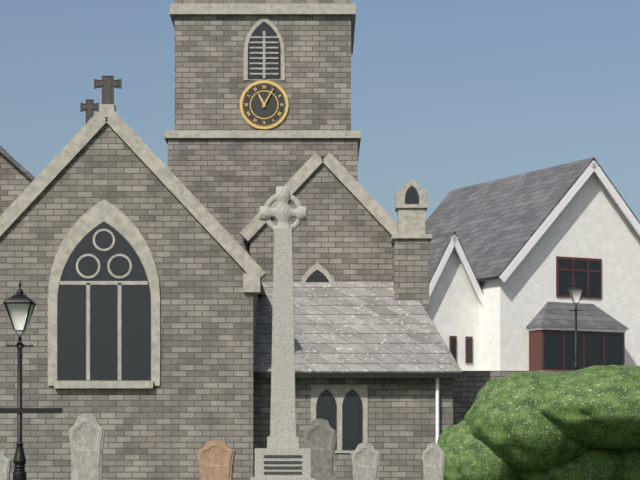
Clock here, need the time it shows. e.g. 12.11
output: 11.05
